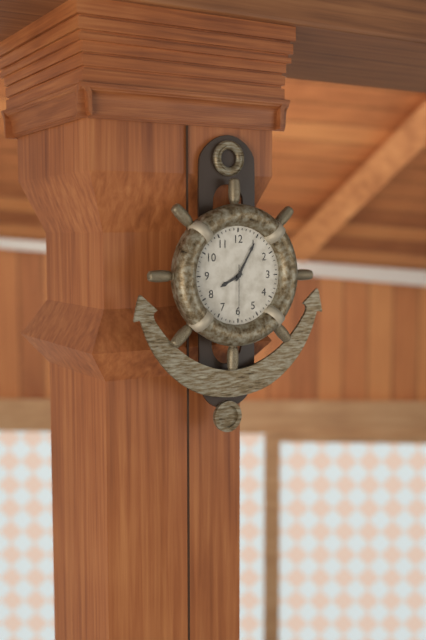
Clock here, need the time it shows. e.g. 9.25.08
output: 8.05.30
